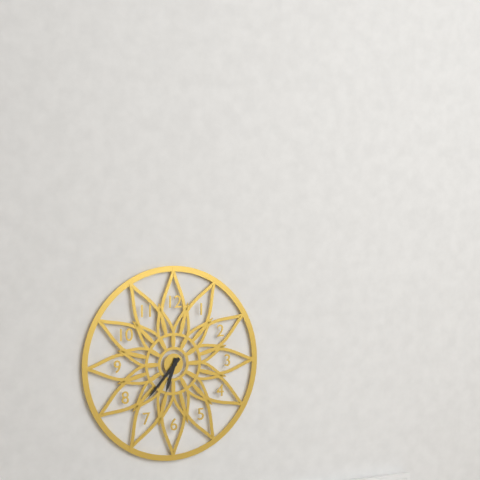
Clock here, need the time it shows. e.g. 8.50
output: 6.37
